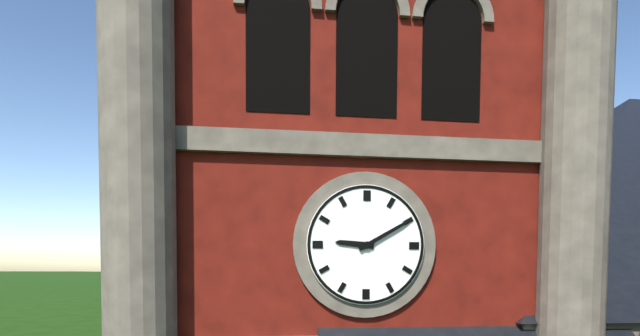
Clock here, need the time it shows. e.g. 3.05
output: 9.10
